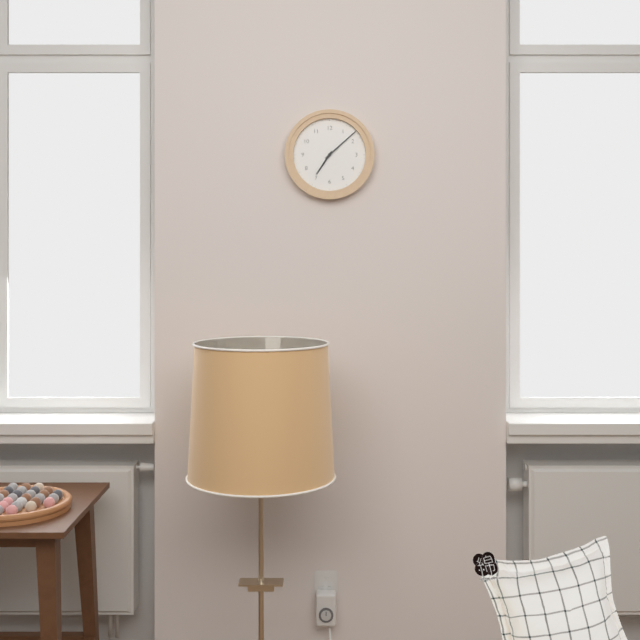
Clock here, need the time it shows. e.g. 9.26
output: 7.08
